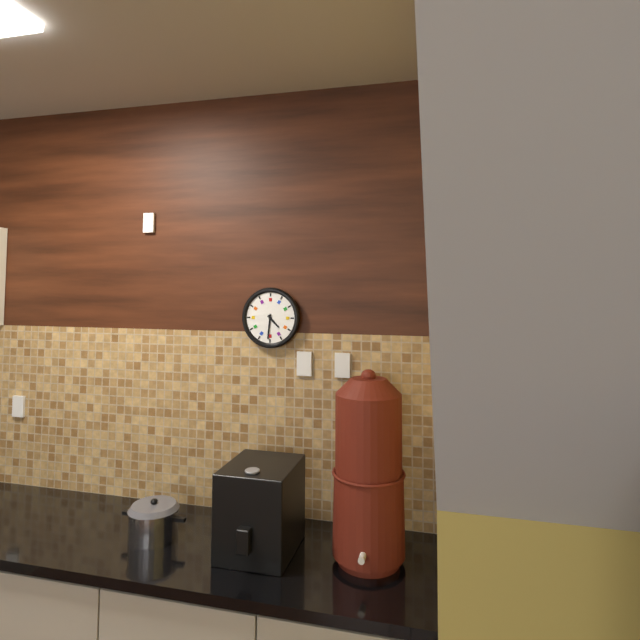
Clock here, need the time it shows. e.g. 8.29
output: 4.31
